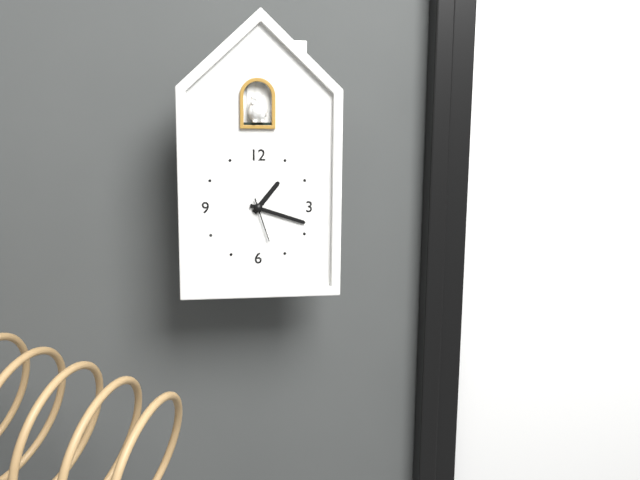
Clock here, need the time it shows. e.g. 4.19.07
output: 1.18.27
